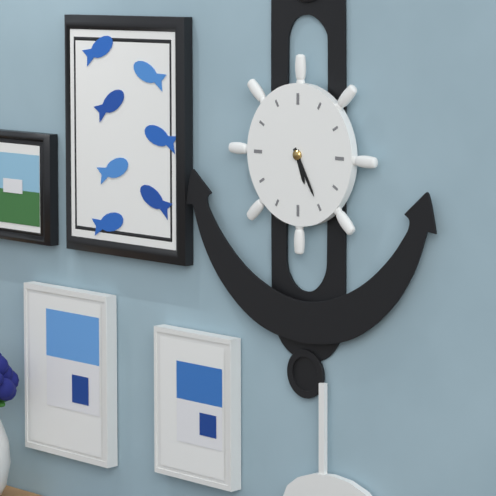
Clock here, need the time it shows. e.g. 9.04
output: 5.25
